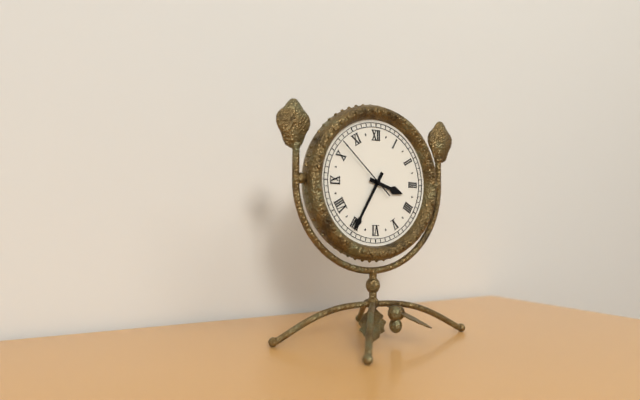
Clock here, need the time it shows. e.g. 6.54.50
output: 3.35.52
